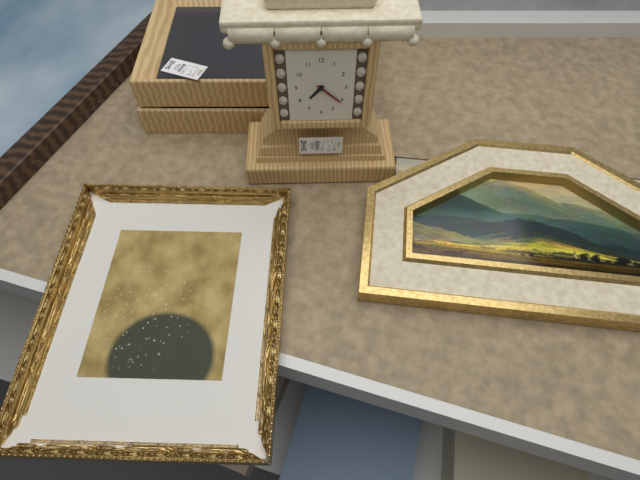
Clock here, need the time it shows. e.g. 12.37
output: 7.22
